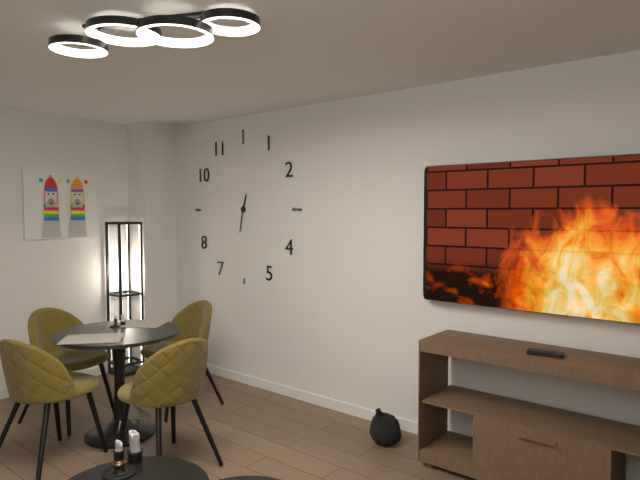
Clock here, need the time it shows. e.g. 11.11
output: 12.32
